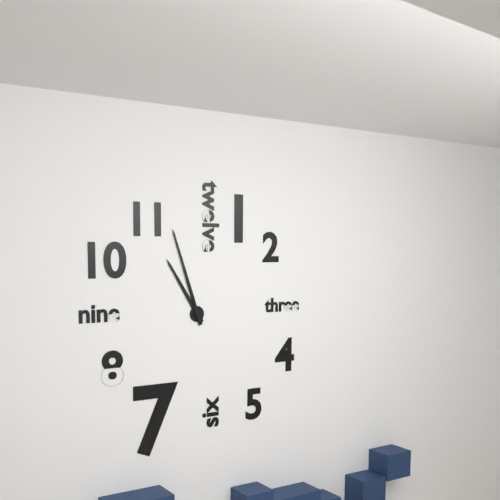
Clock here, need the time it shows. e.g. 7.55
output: 10.57
